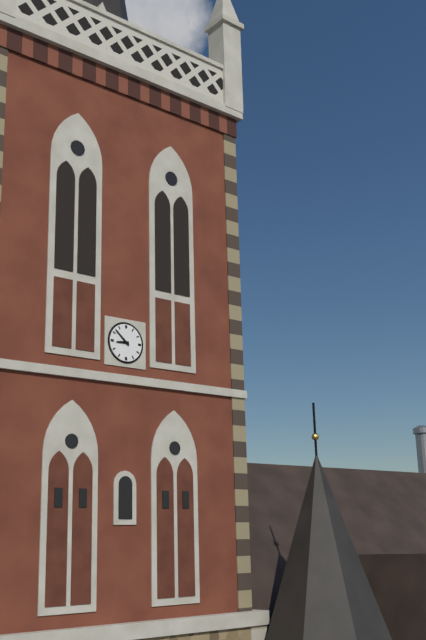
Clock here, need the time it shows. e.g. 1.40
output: 8.52
